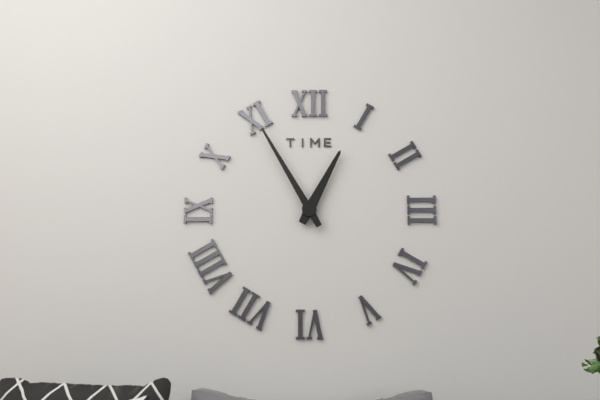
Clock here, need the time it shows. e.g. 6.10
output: 12.55
